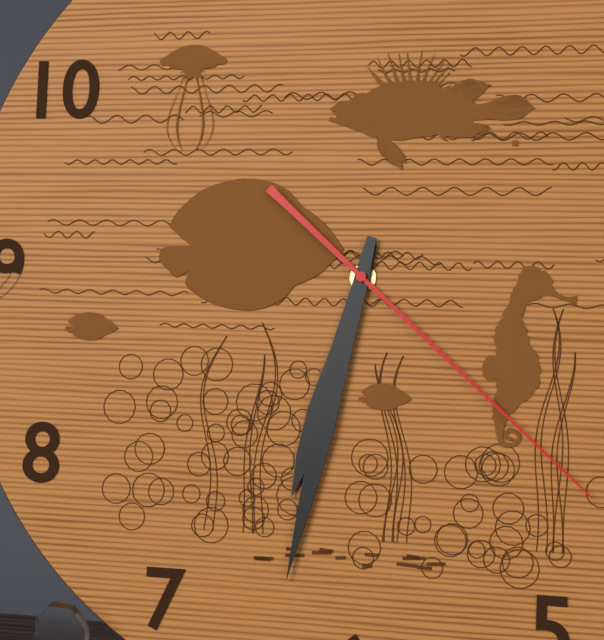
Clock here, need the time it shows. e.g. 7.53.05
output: 6.32.22
